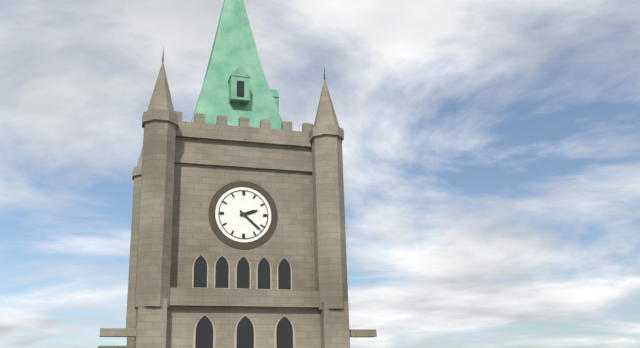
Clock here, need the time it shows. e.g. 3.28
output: 2.22
